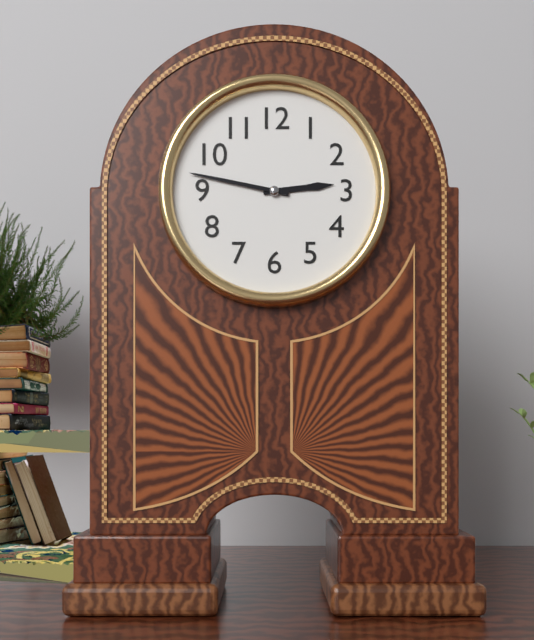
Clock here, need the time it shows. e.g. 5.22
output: 2.47
